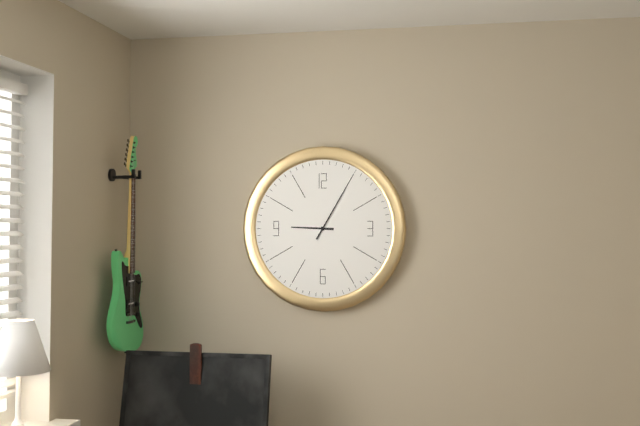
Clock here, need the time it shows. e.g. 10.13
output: 9.05
